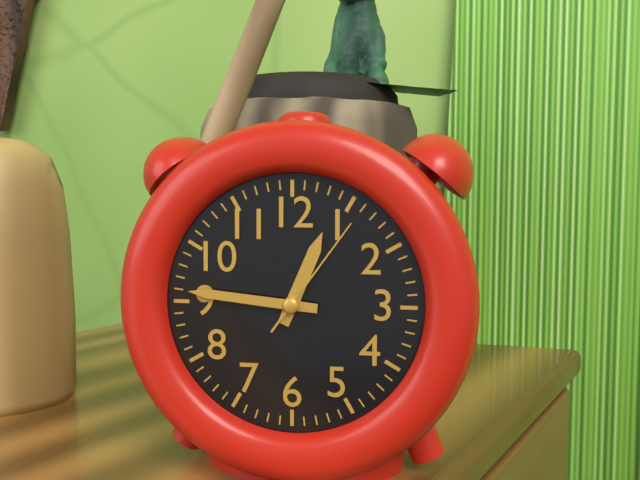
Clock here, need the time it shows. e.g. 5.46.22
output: 12.46.06
